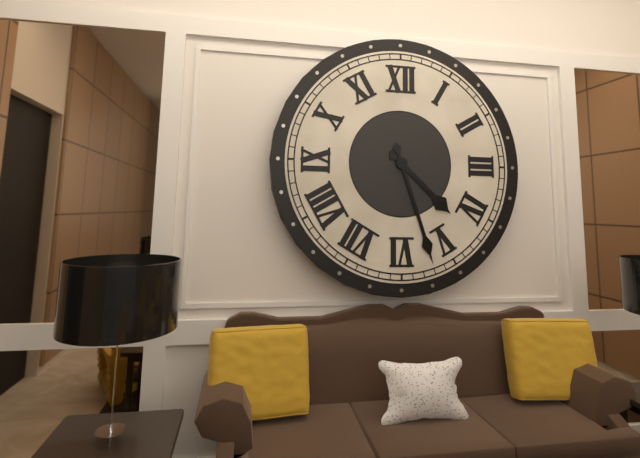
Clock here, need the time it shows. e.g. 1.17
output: 4.27
